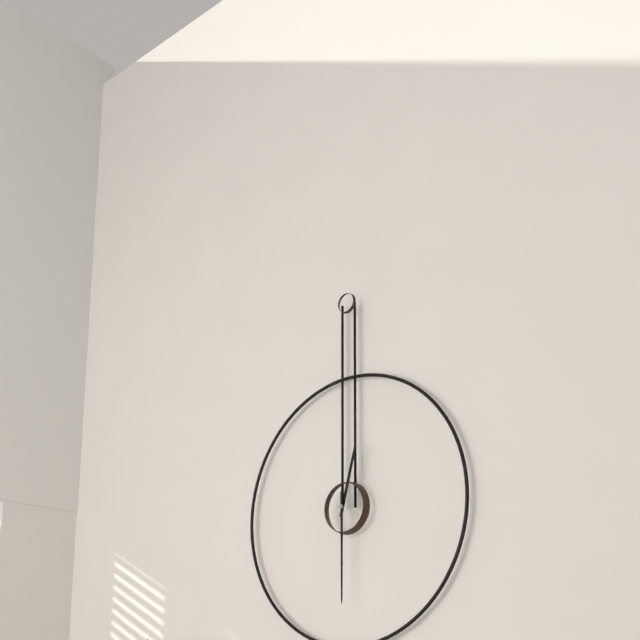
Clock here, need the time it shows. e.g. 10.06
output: 12.30
